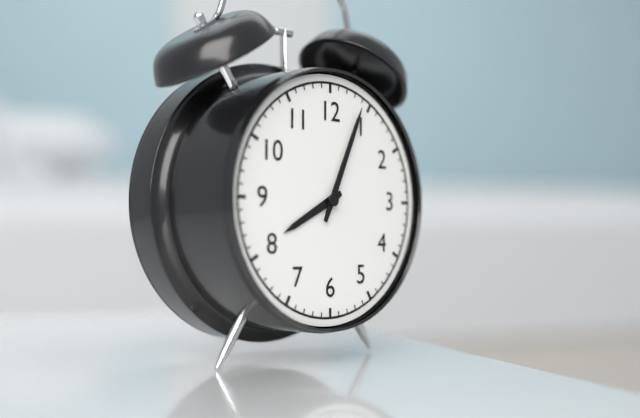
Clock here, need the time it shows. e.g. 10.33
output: 8.04
